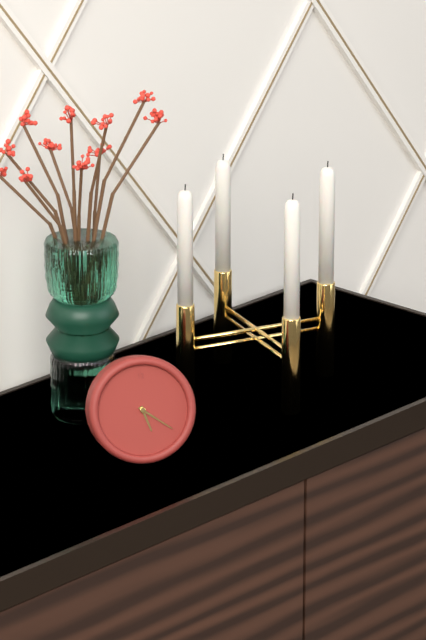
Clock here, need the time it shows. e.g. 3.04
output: 5.21
